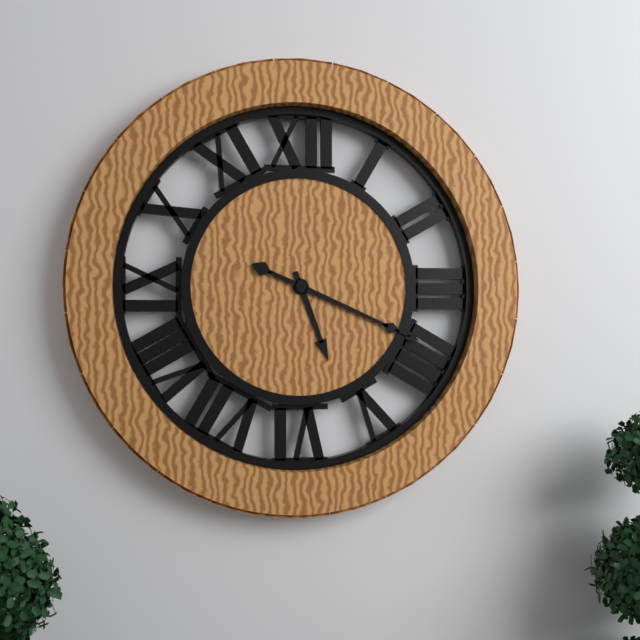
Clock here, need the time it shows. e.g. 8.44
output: 5.19
